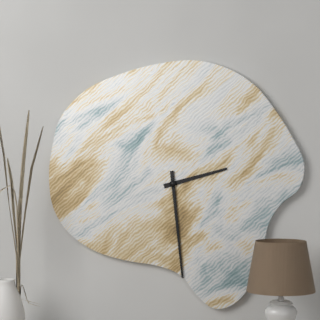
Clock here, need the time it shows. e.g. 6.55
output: 2.29
